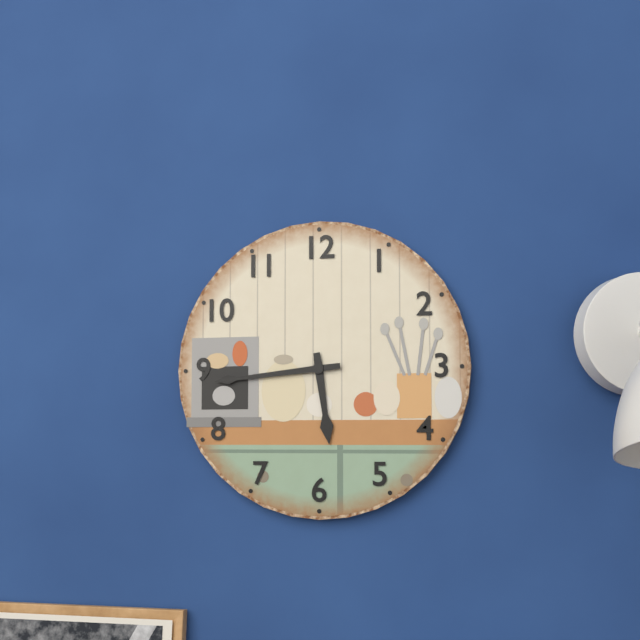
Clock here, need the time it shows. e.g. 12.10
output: 5.44
